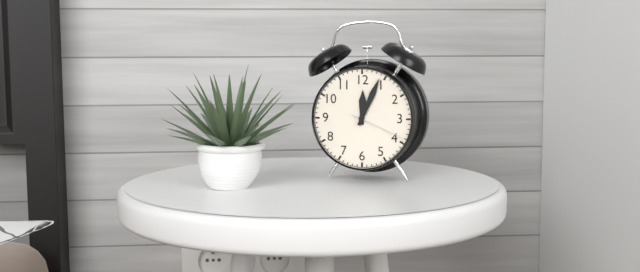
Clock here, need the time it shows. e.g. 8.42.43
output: 12.04.19
